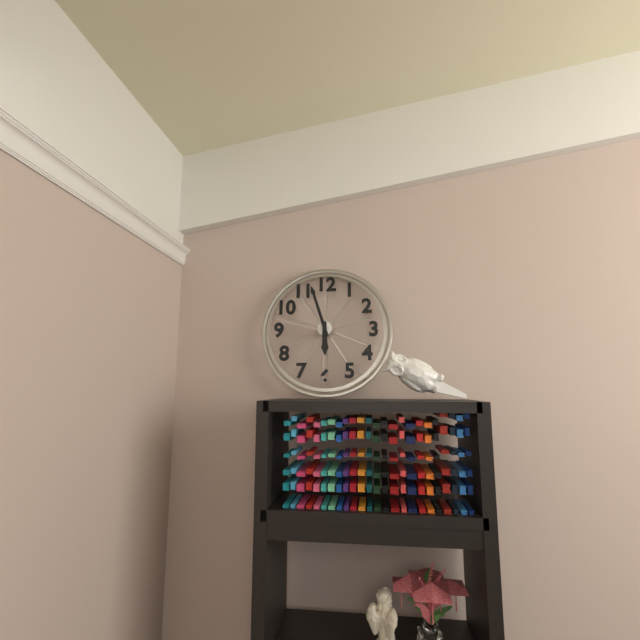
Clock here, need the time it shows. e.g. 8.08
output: 5.57
